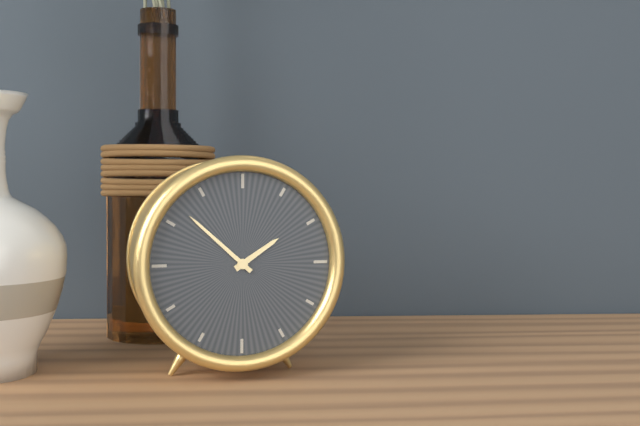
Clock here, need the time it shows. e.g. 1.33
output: 1.52
